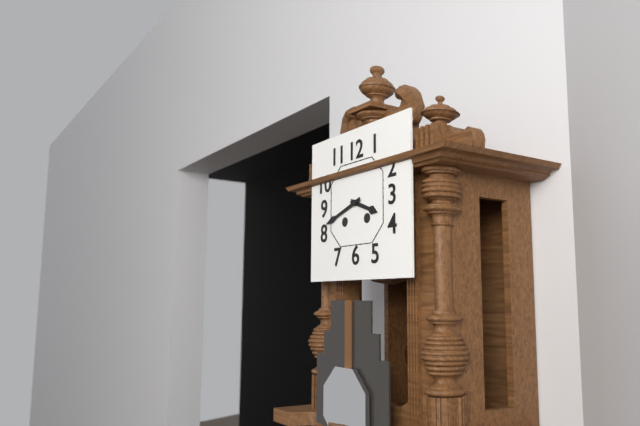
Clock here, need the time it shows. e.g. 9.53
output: 3.42
